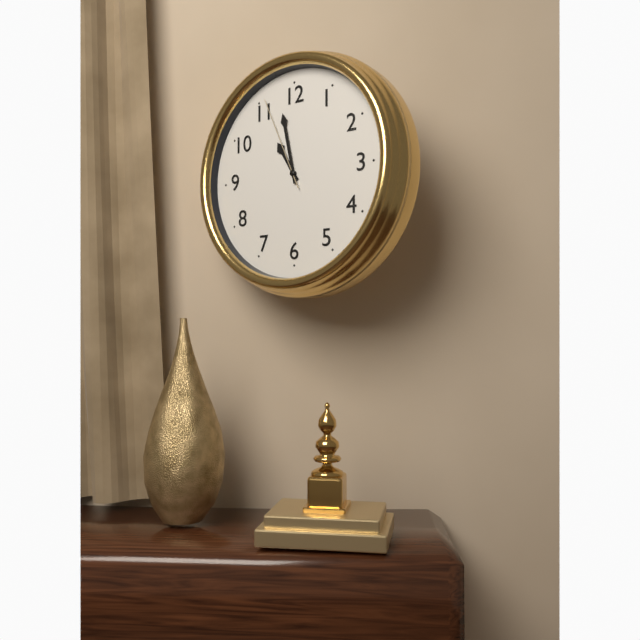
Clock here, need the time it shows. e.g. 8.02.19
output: 10.58.56
